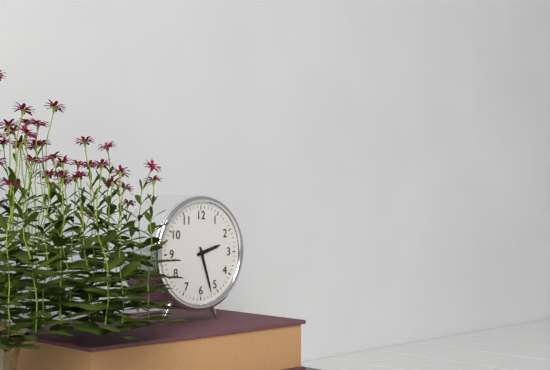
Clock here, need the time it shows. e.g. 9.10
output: 2.27
